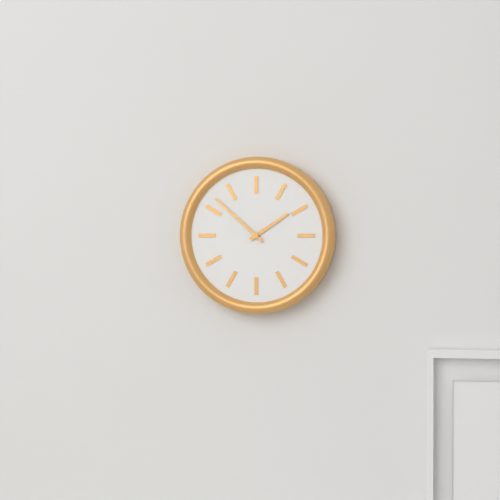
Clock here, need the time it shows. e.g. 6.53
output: 1.52
